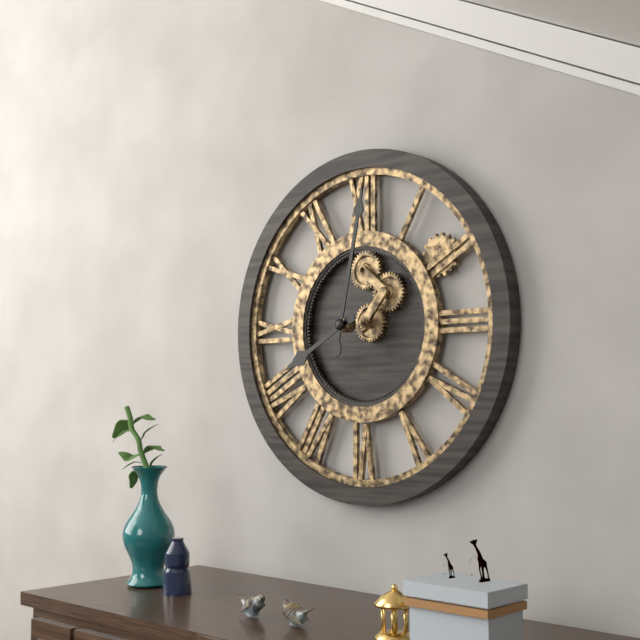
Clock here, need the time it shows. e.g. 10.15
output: 8.02
